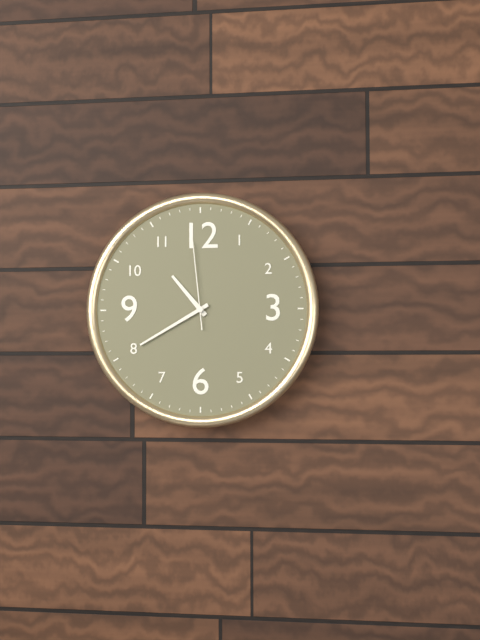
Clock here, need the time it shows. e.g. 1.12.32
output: 10.40.59
